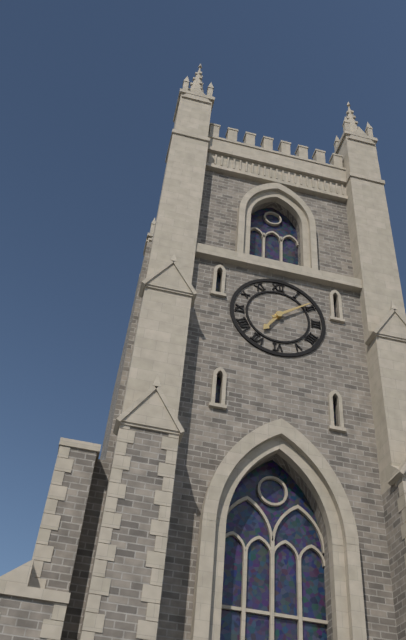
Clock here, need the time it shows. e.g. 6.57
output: 7.09
